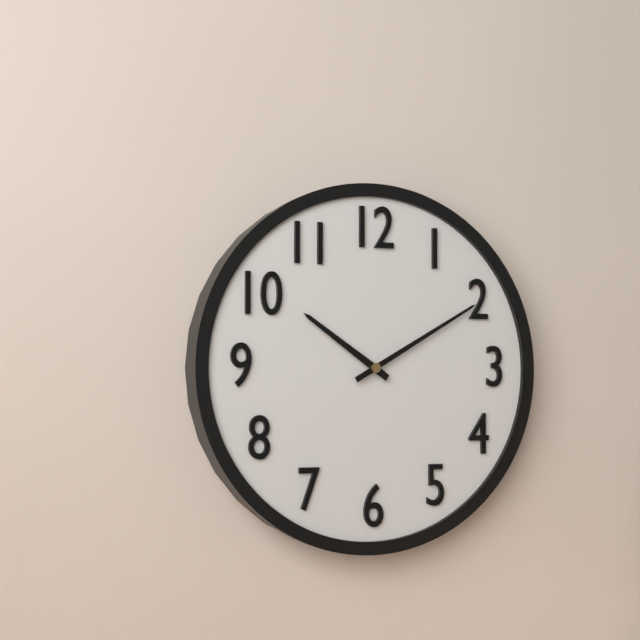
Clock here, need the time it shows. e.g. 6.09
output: 10.10
